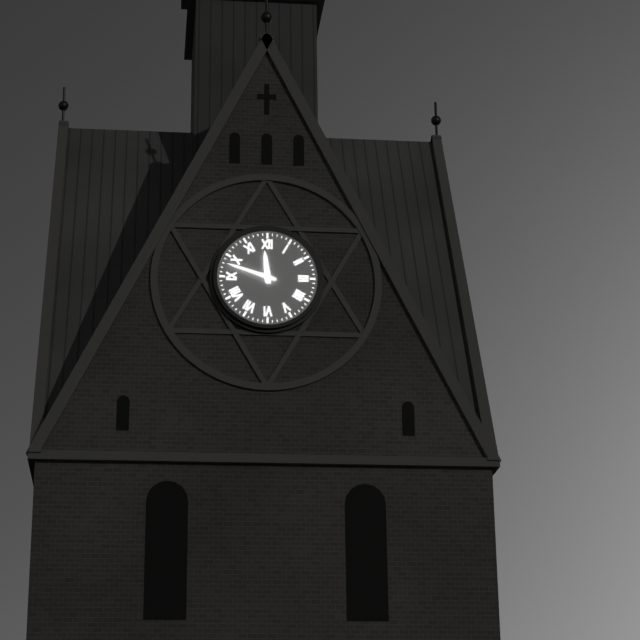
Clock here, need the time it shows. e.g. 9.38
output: 11.48
